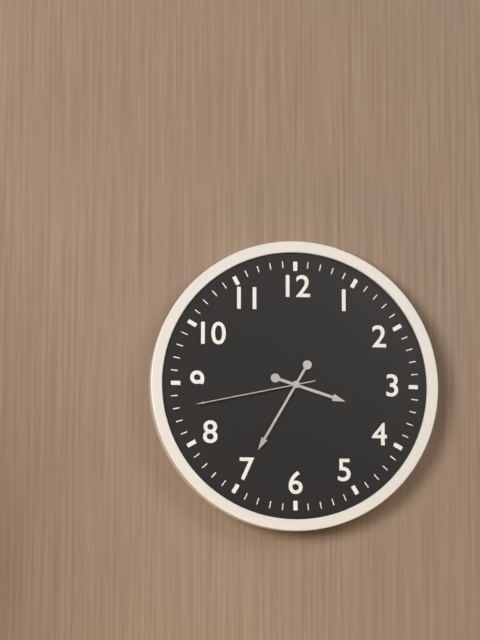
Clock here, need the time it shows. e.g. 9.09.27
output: 3.35.43
